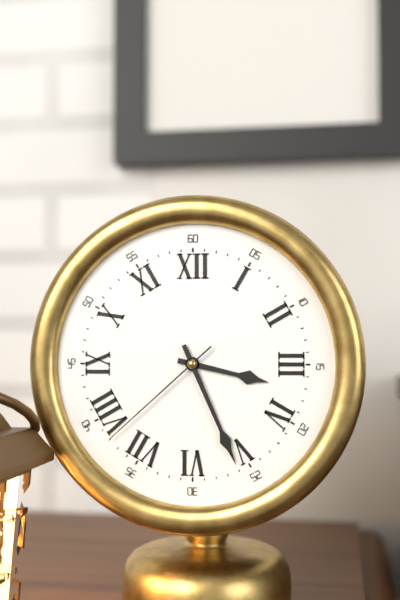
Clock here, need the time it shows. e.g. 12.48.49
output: 3.26.38
